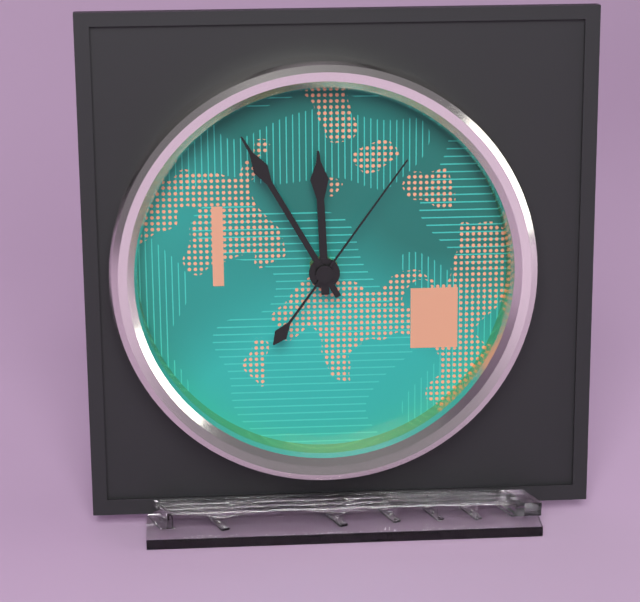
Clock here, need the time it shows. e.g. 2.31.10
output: 11.55.06
